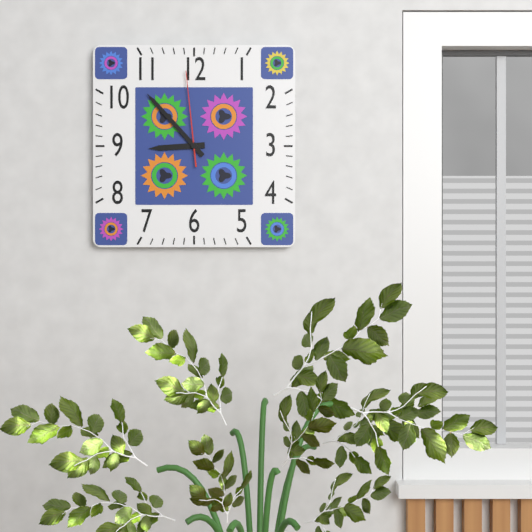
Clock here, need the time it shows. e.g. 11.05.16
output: 8.53.59
